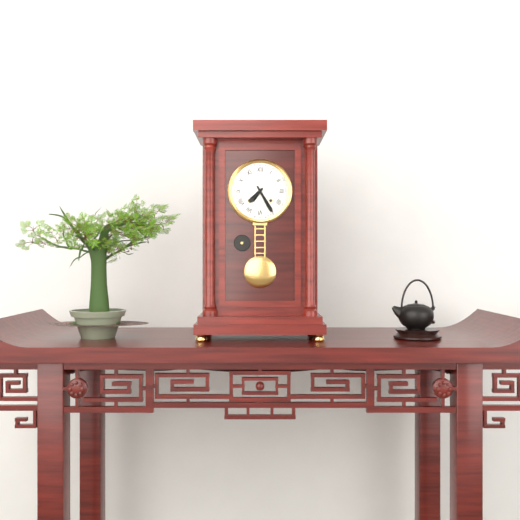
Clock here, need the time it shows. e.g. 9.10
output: 7.25
